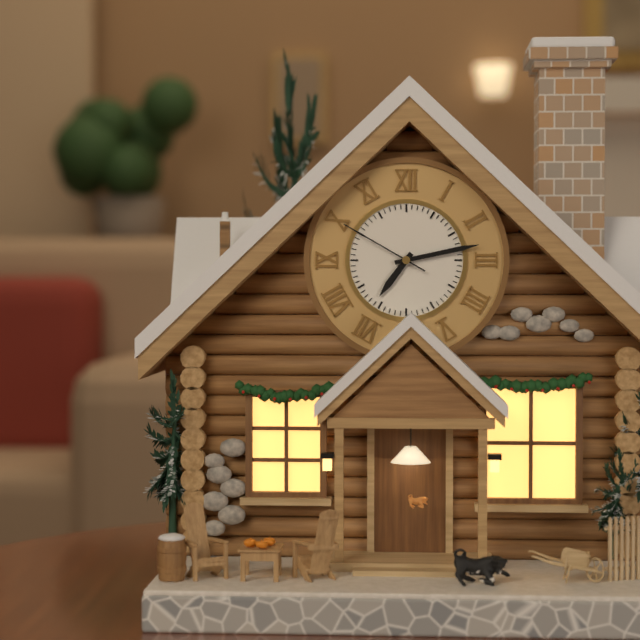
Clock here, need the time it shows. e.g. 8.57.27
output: 7.13.50
